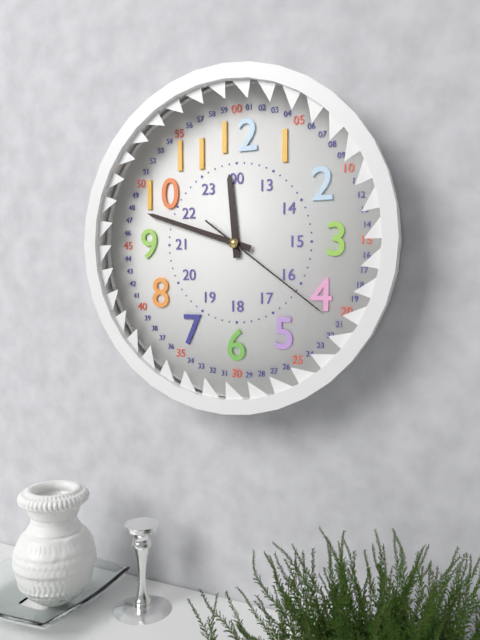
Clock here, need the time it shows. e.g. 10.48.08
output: 11.48.21
